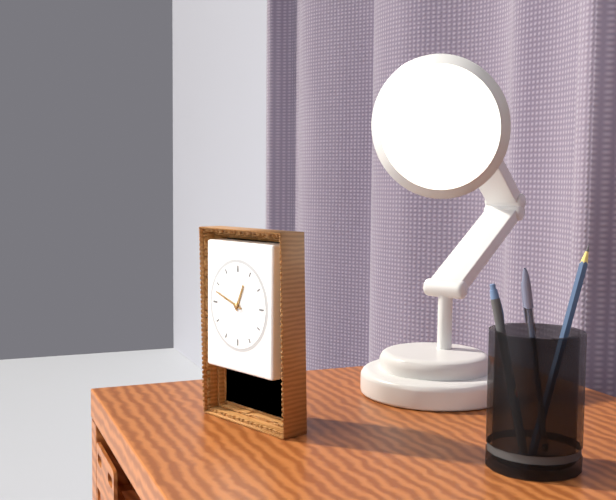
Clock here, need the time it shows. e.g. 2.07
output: 12.48
